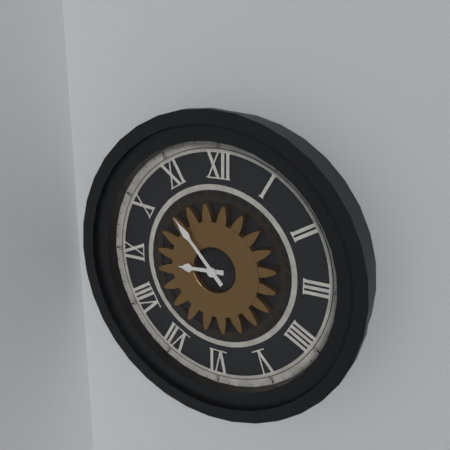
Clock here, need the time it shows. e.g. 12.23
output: 8.53
